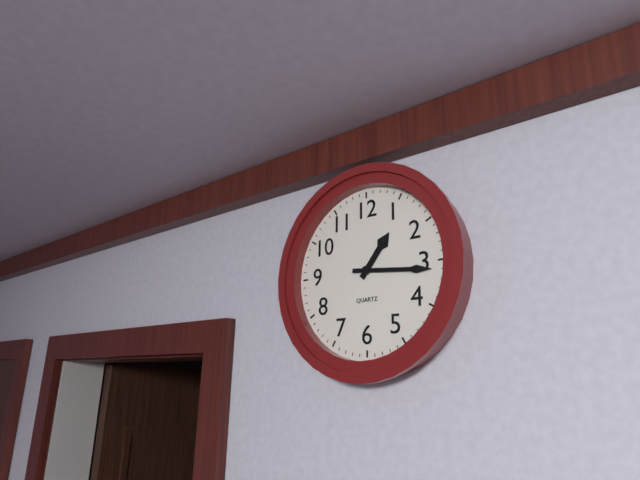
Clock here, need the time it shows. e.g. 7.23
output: 1.16
